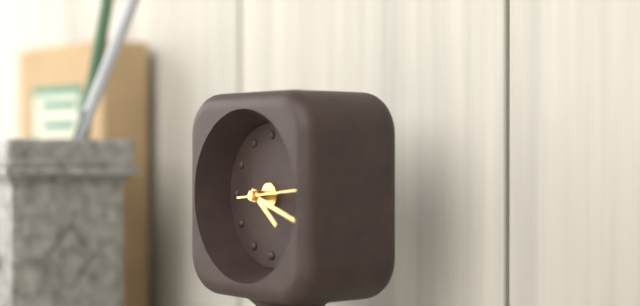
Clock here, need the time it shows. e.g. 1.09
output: 4.18
